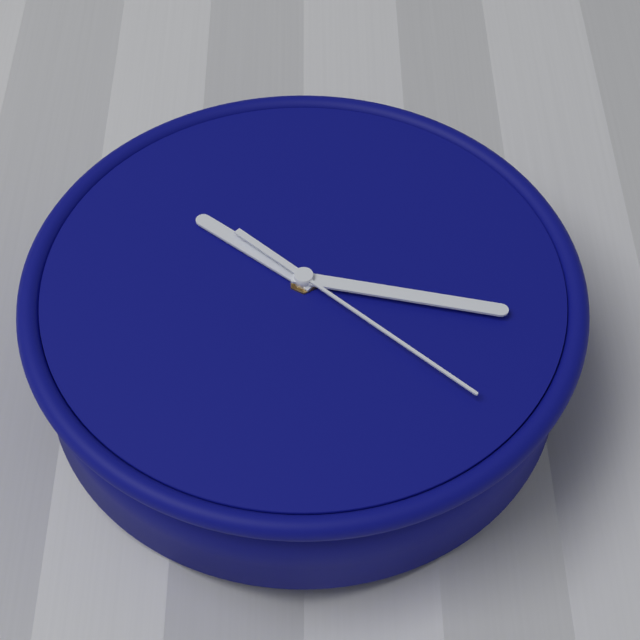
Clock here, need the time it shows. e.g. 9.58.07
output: 10.17.22
